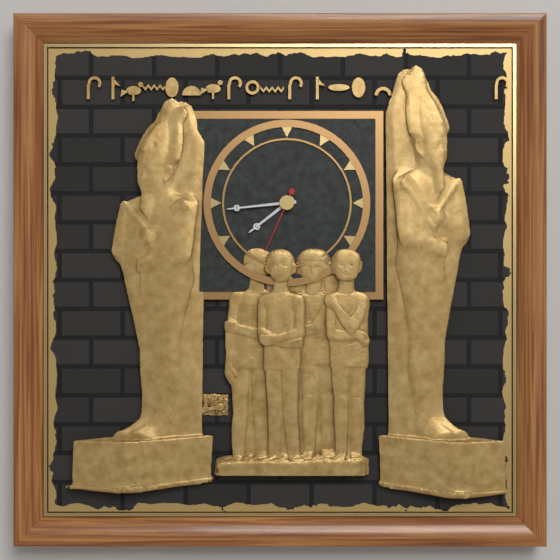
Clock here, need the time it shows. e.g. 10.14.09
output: 7.44.34
